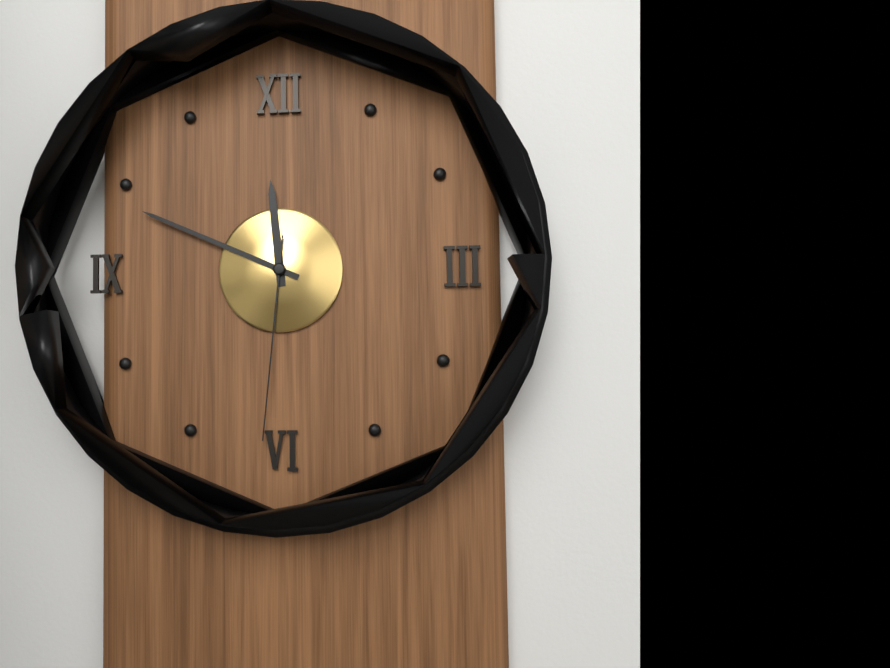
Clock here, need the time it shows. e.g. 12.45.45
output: 11.49.31
